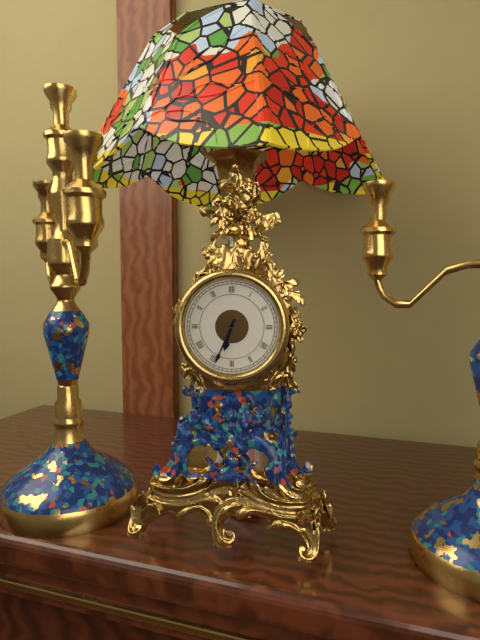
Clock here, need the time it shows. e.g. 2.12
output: 6.34
